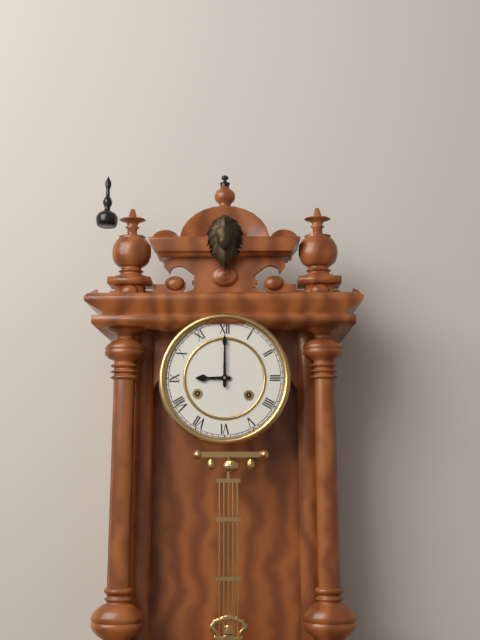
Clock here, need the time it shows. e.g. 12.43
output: 9.00
